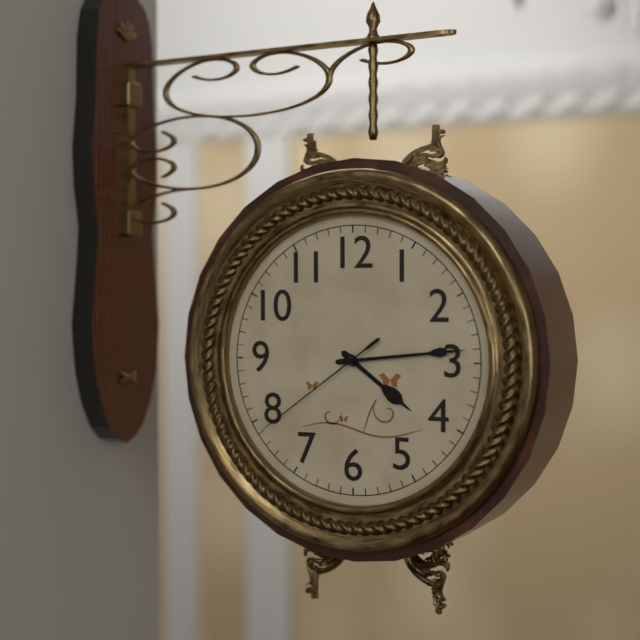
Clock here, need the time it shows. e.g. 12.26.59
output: 4.14.39
